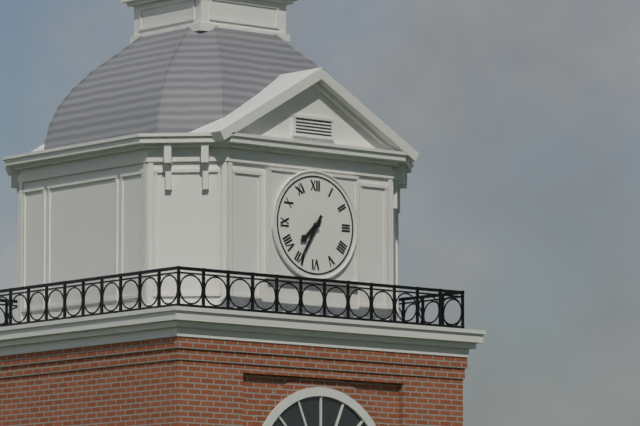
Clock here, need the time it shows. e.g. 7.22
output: 7.35
